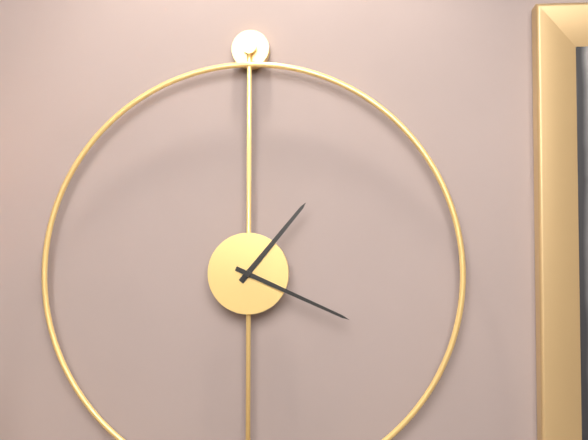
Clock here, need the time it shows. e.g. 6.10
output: 1.19
